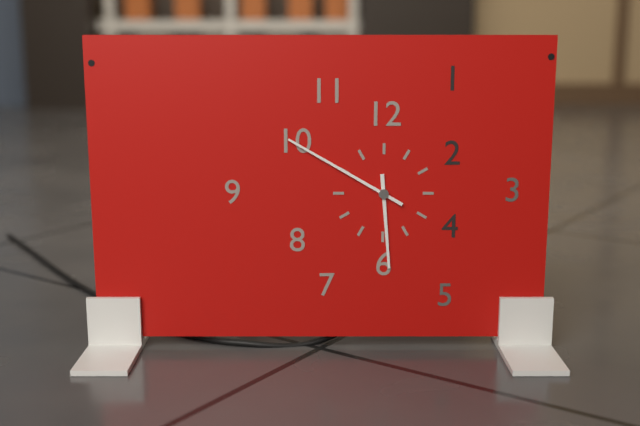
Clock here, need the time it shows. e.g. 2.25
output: 5.50
